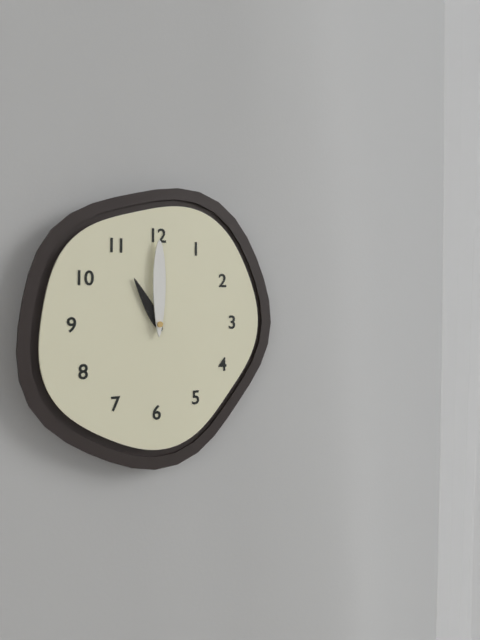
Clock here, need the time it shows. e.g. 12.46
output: 11.00
